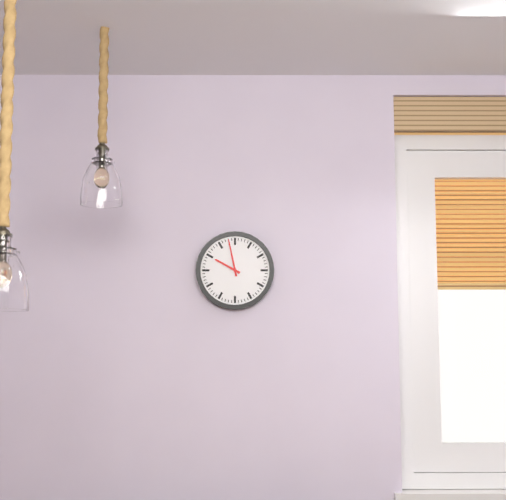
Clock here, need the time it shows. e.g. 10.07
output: 9.58
